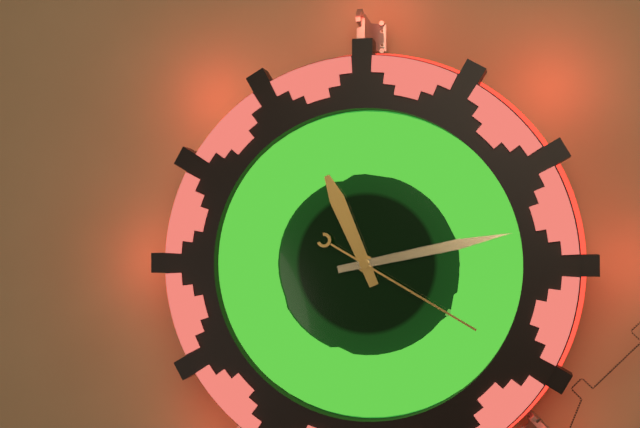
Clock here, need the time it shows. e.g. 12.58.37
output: 11.13.20
